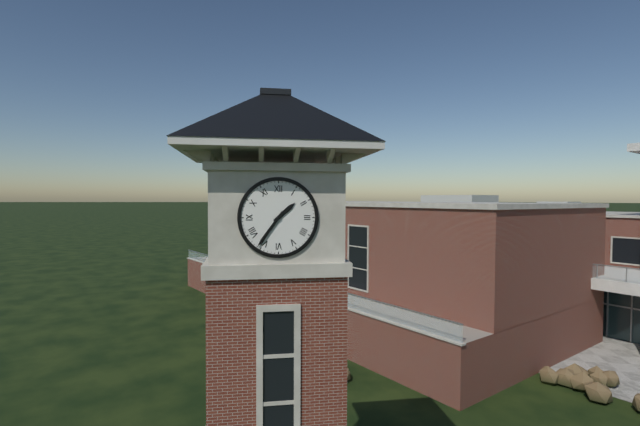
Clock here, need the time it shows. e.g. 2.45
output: 1.36
